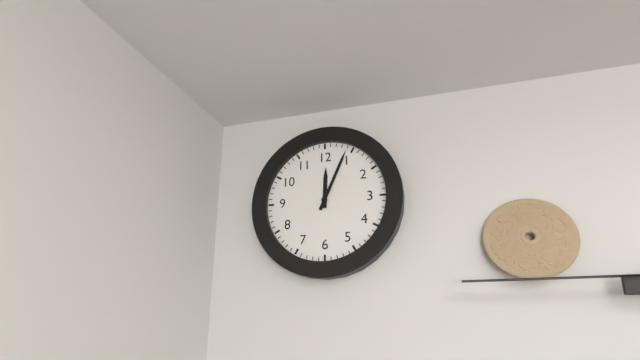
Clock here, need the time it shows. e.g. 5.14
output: 12.04
